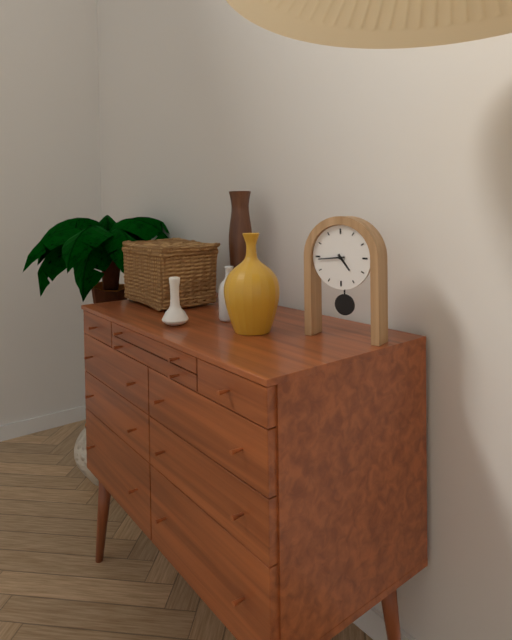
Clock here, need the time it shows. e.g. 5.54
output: 4.44
